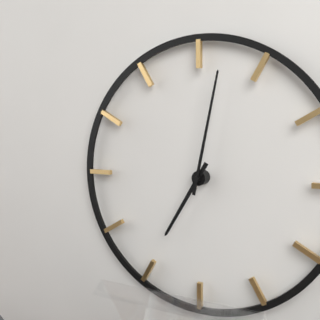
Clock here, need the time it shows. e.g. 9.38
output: 7.02
